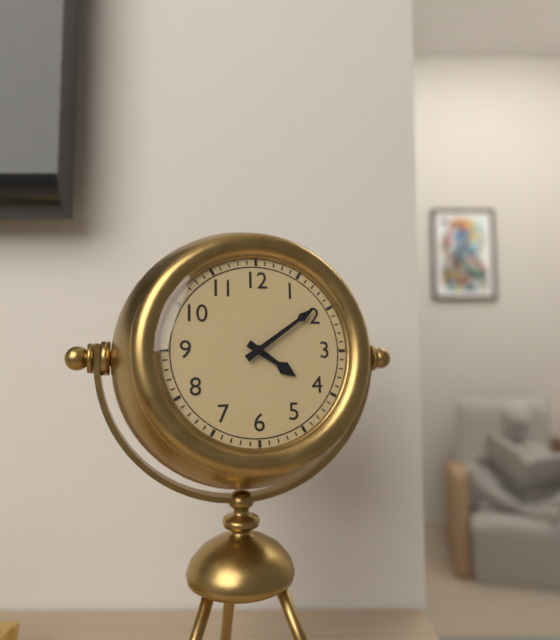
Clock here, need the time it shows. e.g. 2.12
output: 4.09
